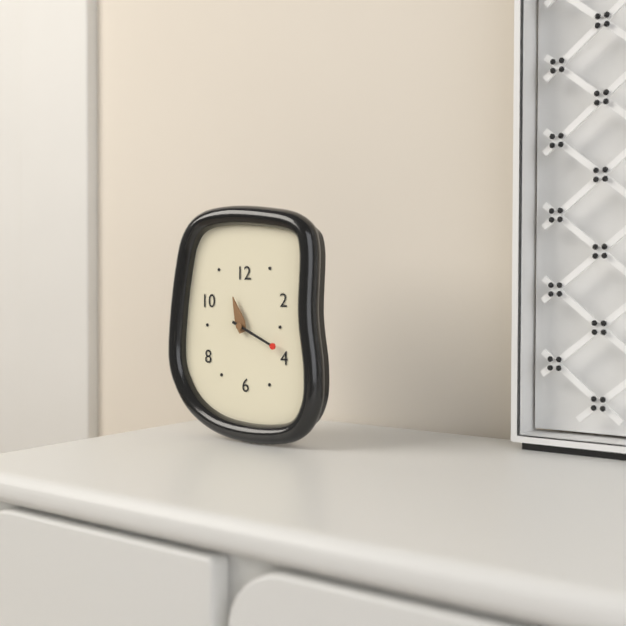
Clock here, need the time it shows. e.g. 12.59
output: 11.19
